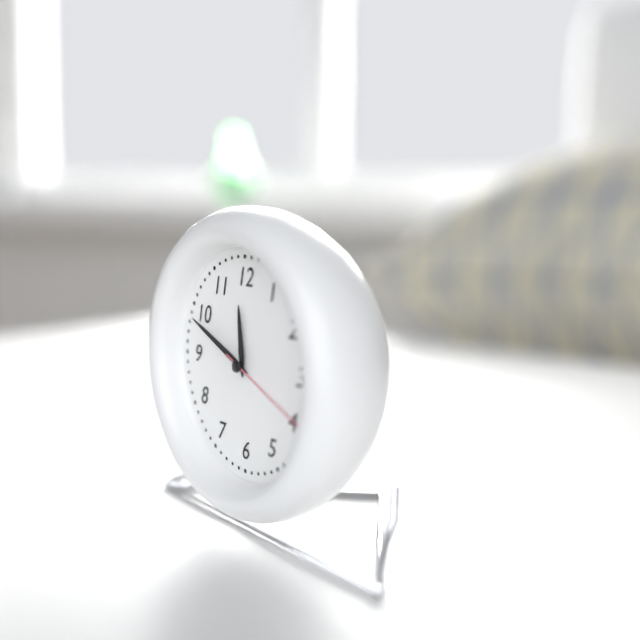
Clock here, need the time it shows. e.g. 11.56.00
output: 11.49.19
